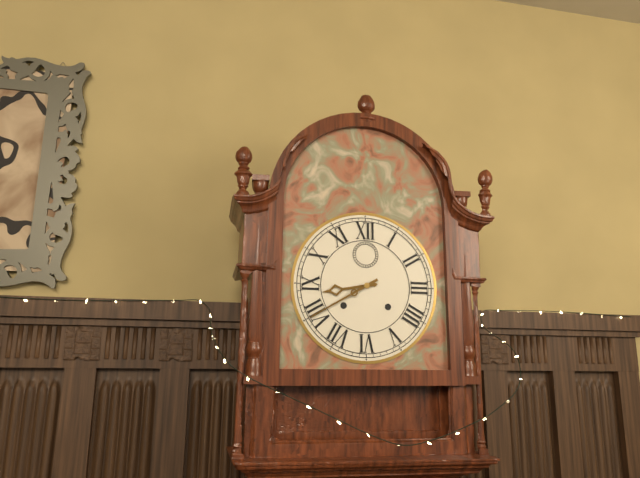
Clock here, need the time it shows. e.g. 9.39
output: 8.40
